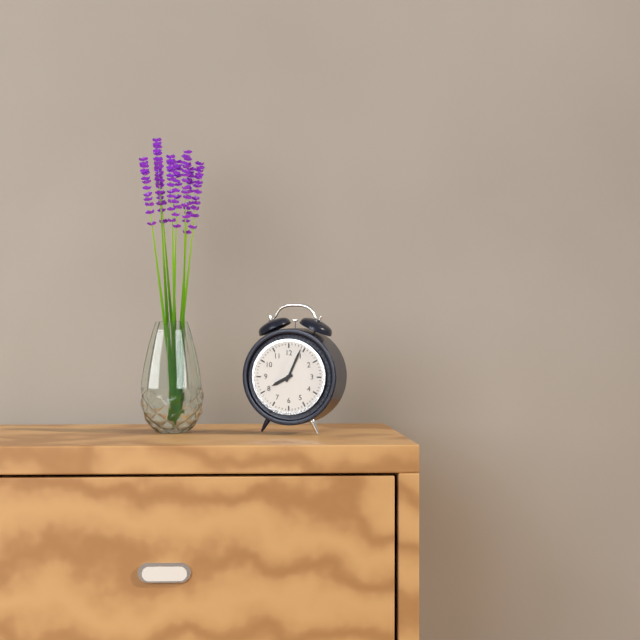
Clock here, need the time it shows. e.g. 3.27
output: 8.04
